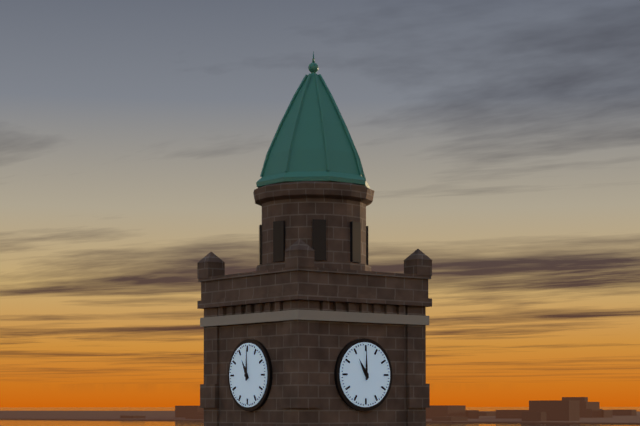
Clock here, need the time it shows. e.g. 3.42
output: 11.00
